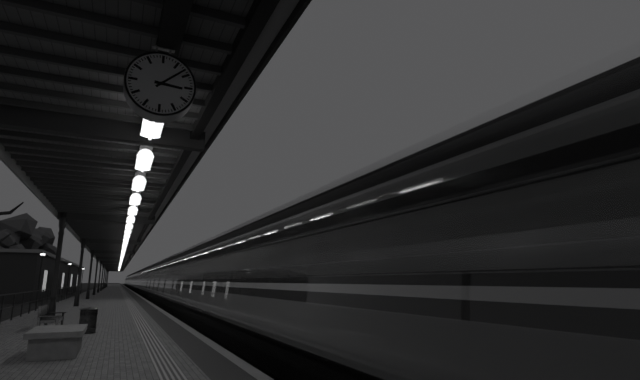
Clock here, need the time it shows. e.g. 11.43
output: 3.08
